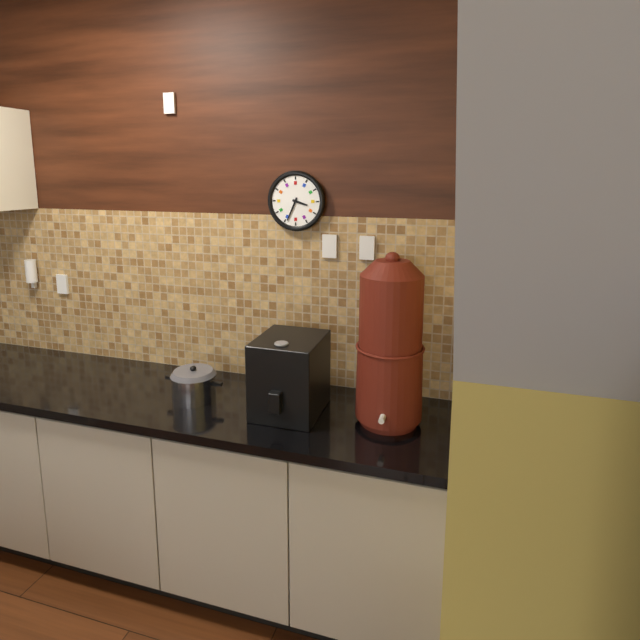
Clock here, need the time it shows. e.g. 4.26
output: 3.34
